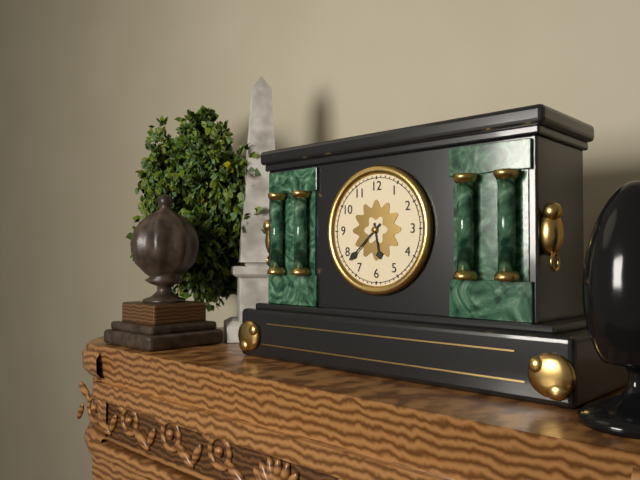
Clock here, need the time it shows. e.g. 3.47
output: 5.38
